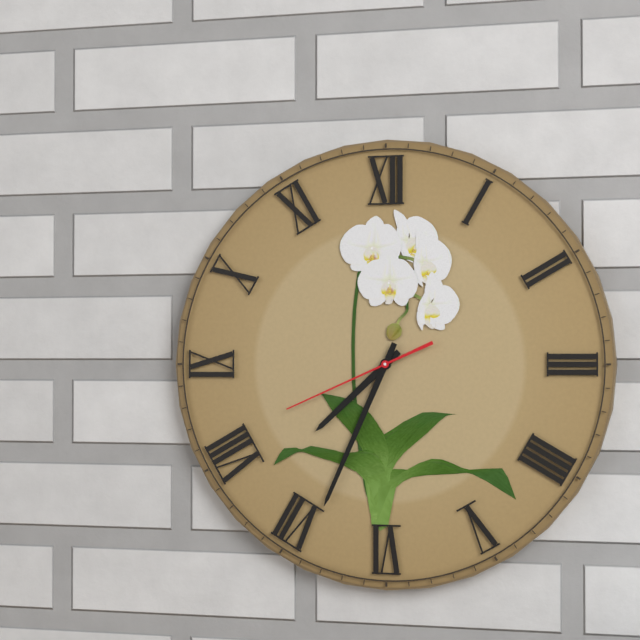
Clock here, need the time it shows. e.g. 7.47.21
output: 7.34.41
